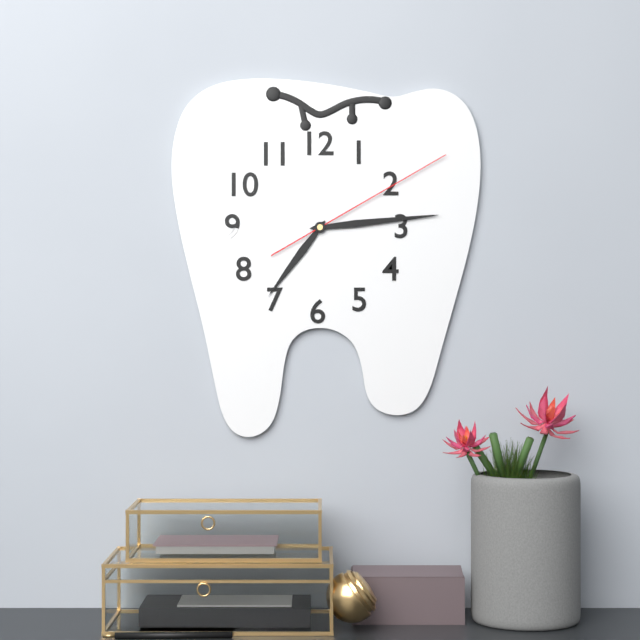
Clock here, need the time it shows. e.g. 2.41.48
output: 7.14.10
